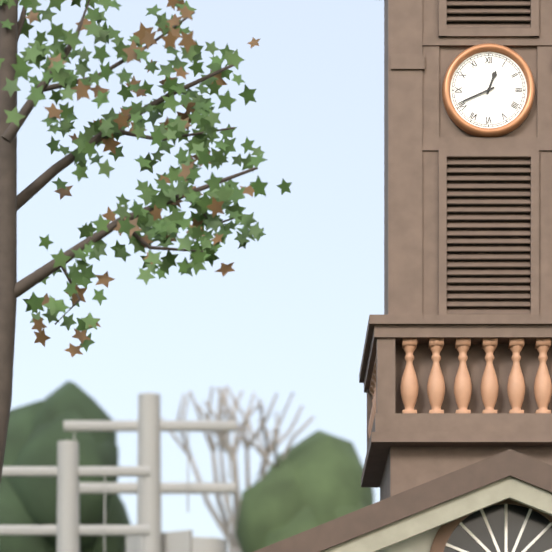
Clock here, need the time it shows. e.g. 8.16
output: 12.41
